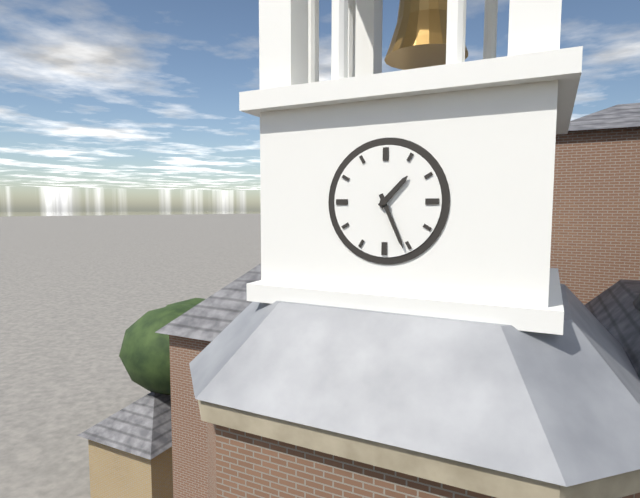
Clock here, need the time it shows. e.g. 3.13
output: 1.26
